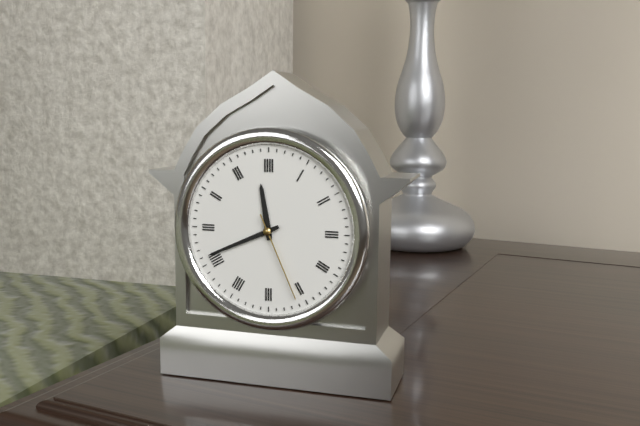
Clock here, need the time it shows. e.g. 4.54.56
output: 11.41.26
